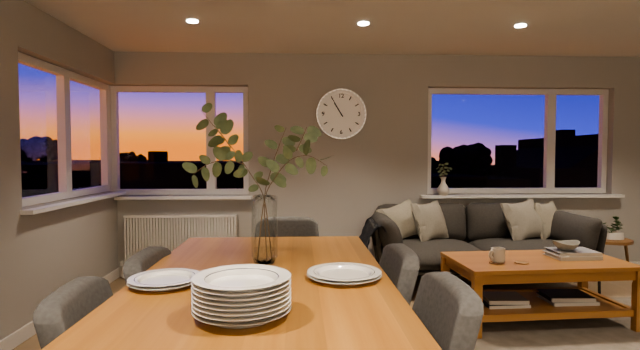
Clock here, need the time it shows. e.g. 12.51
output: 10.55
